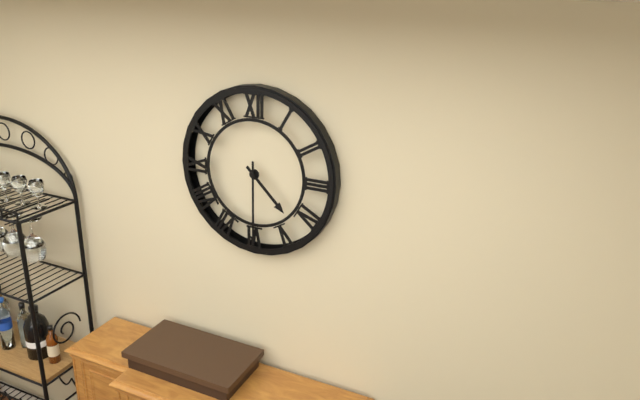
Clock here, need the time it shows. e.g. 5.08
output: 4.30
